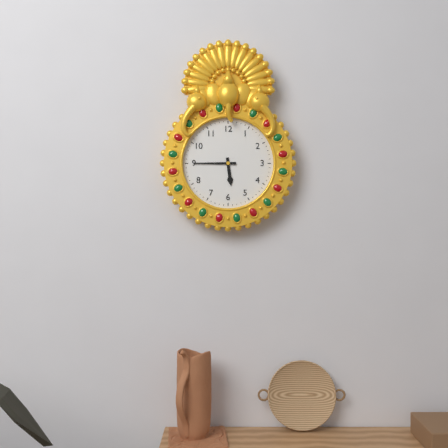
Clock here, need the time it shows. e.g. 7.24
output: 5.45
